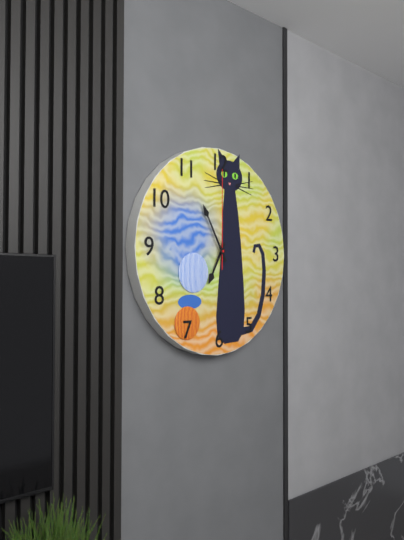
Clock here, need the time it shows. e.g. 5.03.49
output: 6.55.00
